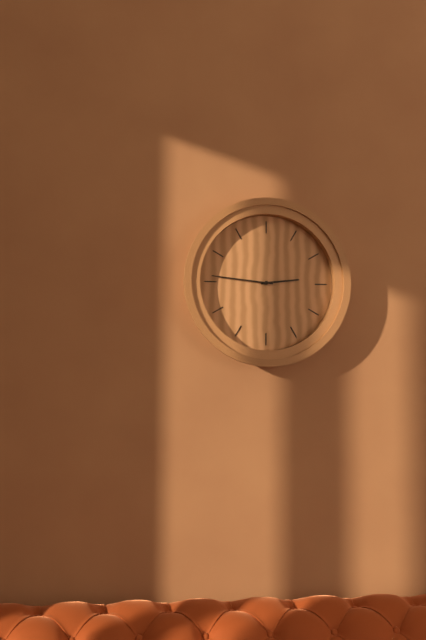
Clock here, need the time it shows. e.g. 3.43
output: 2.46
